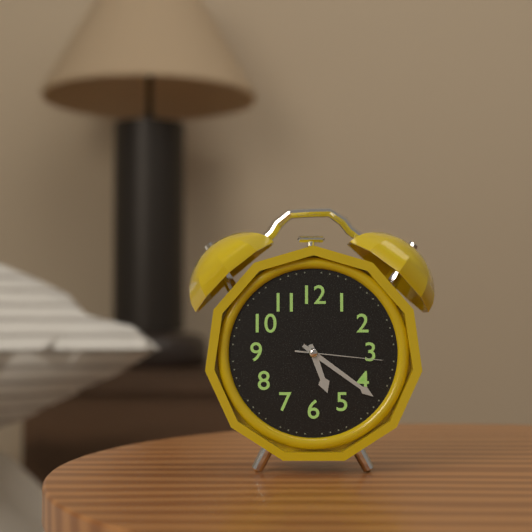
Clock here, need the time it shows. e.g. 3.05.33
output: 5.21.16
